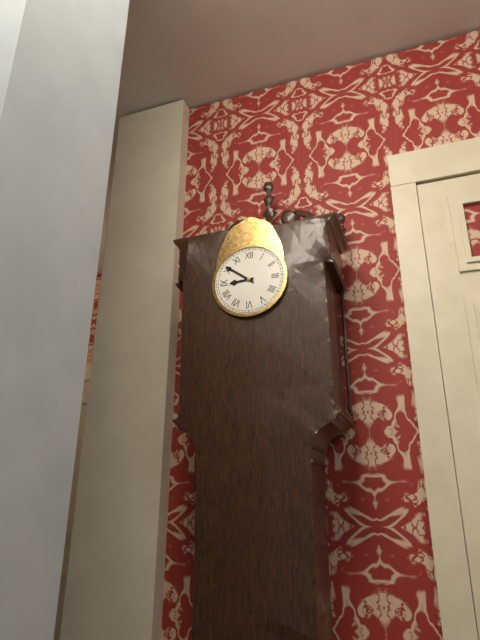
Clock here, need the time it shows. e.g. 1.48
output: 8.51
